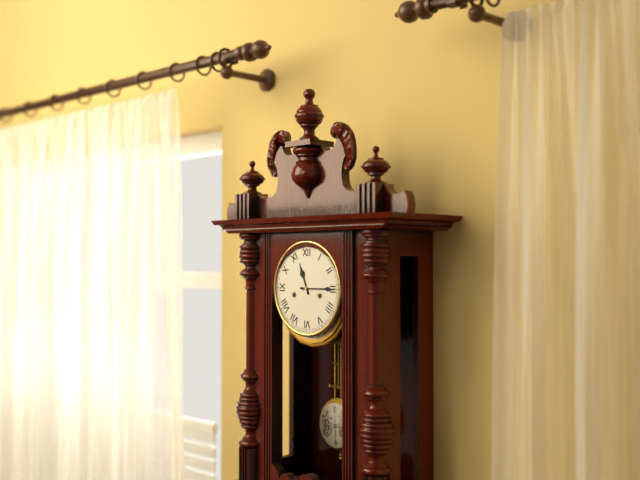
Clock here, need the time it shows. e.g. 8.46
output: 11.15
